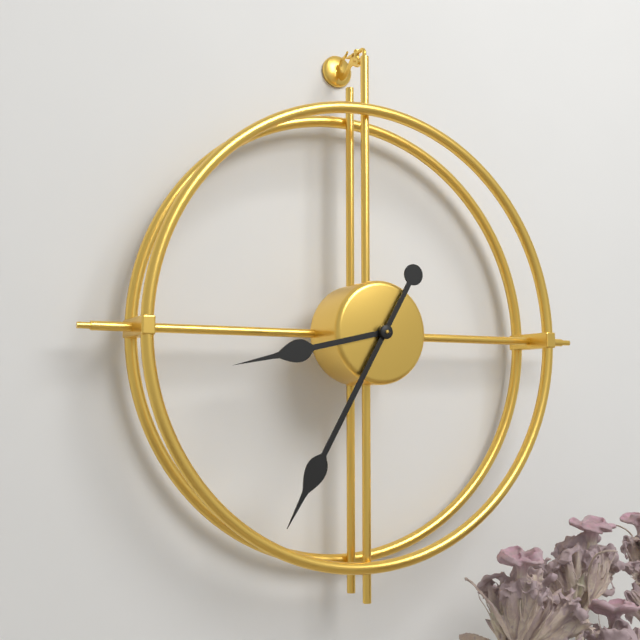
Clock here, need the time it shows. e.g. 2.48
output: 8.35
